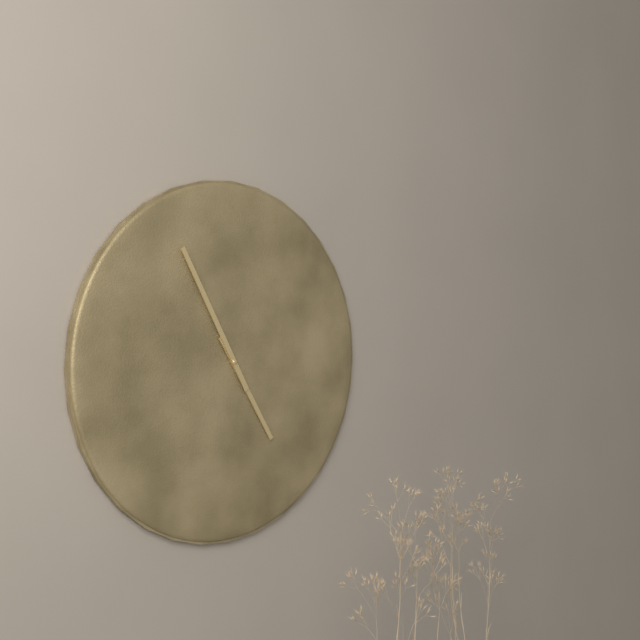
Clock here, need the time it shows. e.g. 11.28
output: 4.55
